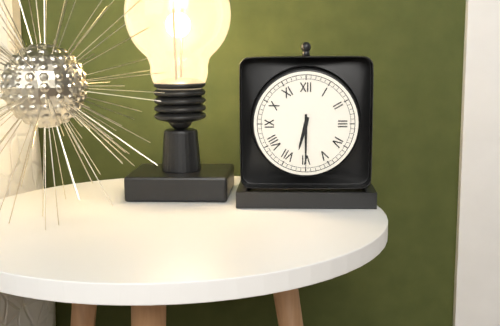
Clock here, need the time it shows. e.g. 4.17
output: 6.30
